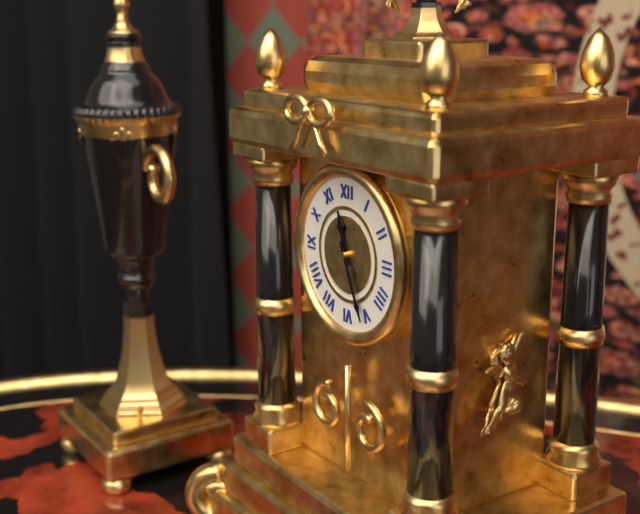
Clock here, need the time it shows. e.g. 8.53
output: 11.26
